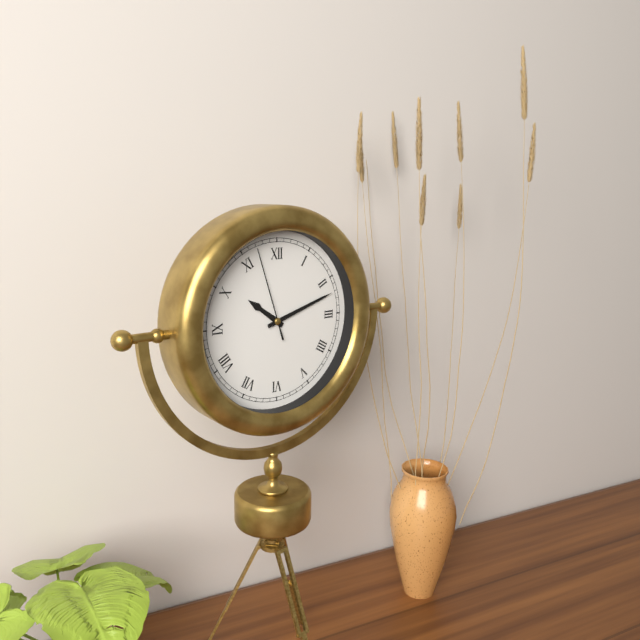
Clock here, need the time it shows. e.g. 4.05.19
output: 10.12.57
